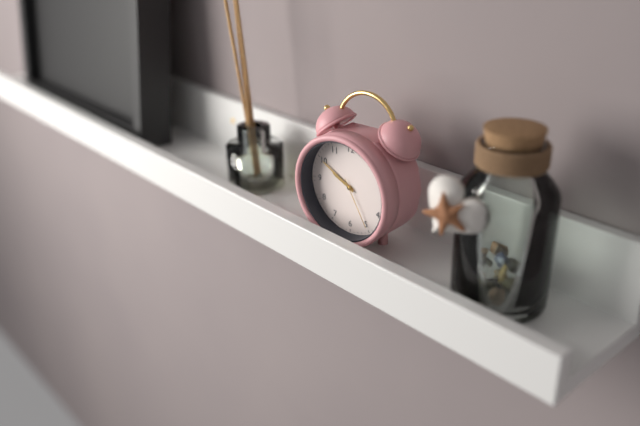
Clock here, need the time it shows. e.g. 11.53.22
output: 9.50.25
